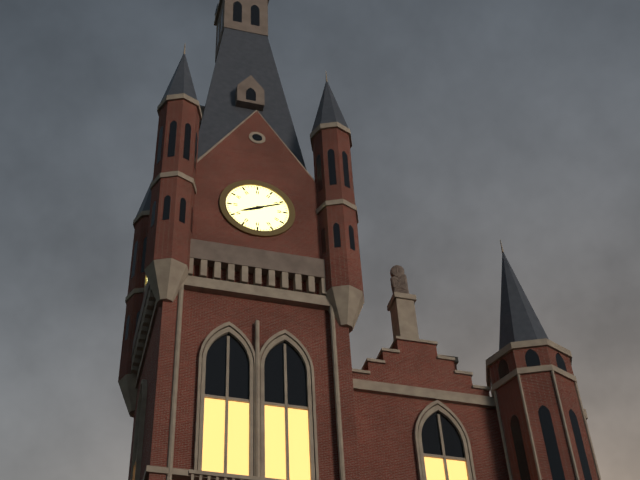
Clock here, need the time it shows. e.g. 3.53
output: 8.11
